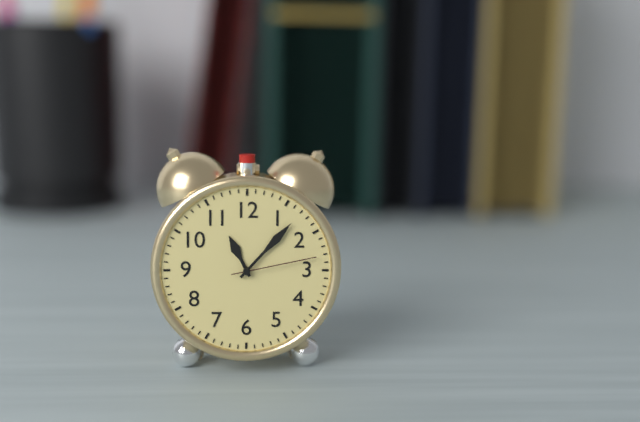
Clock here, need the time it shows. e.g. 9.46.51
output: 11.07.13
